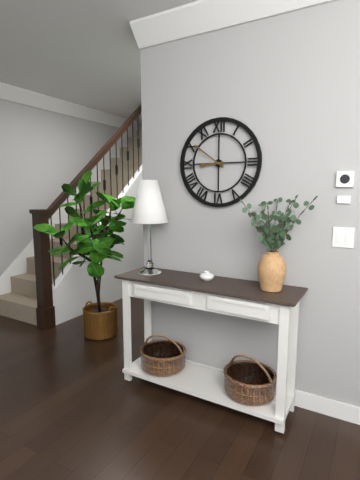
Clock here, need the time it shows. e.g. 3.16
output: 8.51
